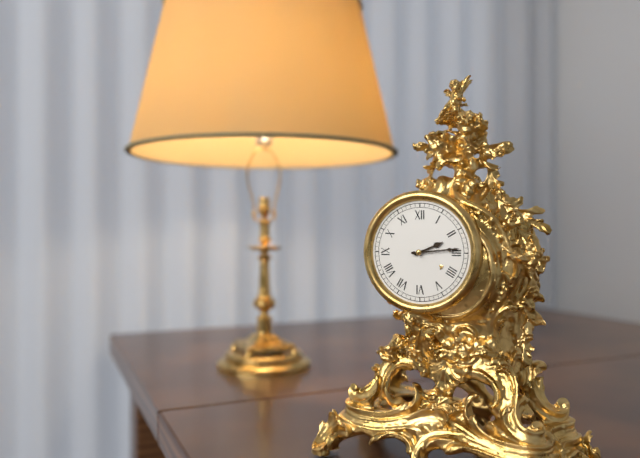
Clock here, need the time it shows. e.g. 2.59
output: 2.14
